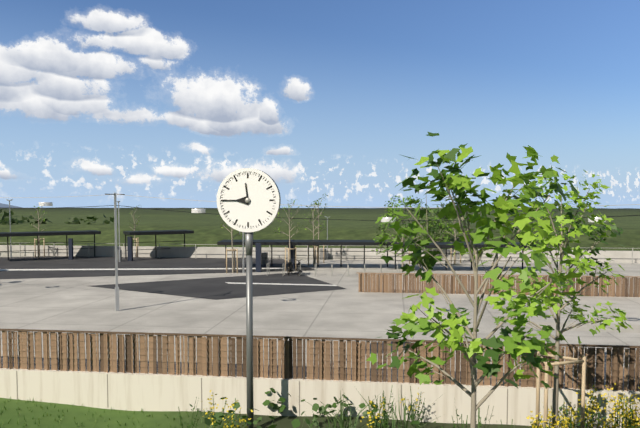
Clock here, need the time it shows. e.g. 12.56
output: 11.45
